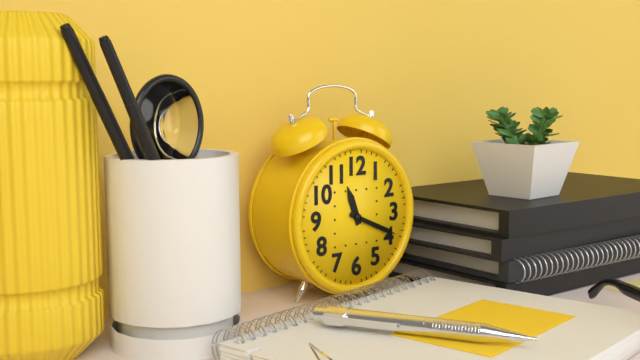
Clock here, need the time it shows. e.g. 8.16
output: 11.19
